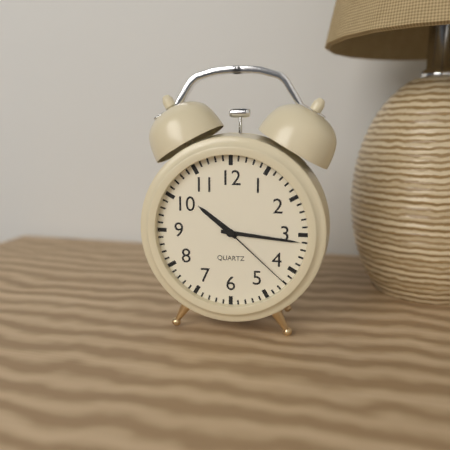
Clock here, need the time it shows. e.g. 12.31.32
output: 10.16.22
